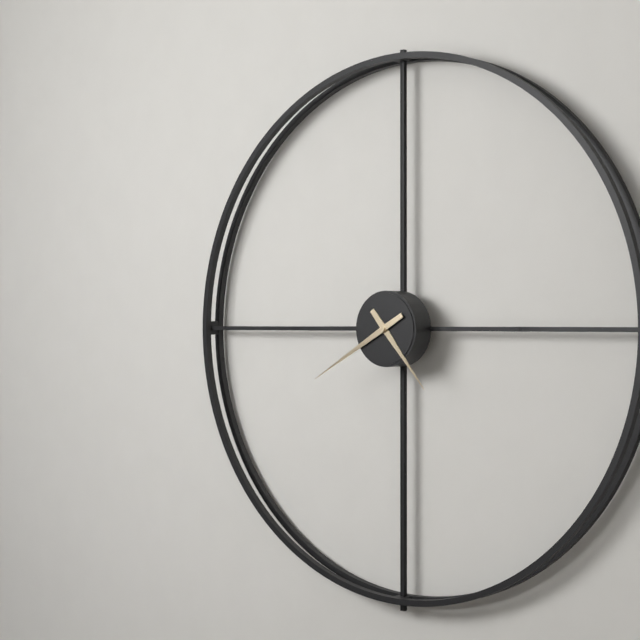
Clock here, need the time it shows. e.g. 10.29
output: 4.40
